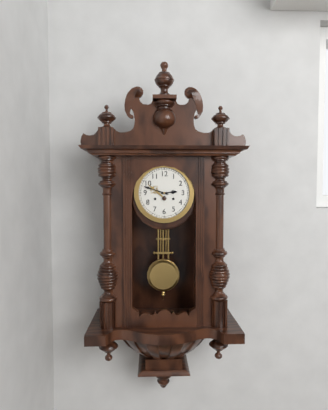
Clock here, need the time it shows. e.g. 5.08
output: 2.48
